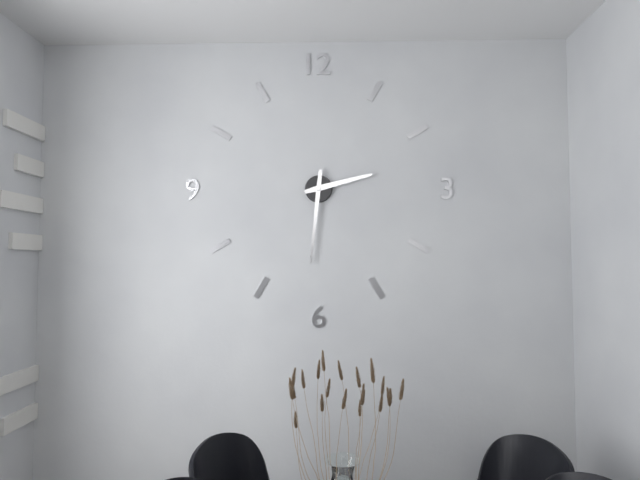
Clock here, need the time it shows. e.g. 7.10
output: 2.31
